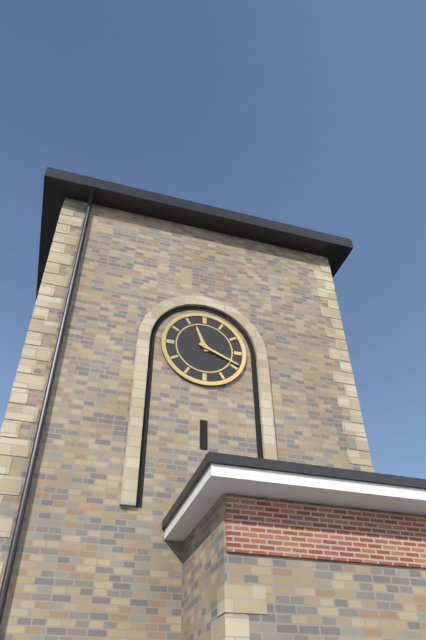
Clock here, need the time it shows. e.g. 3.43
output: 11.19
